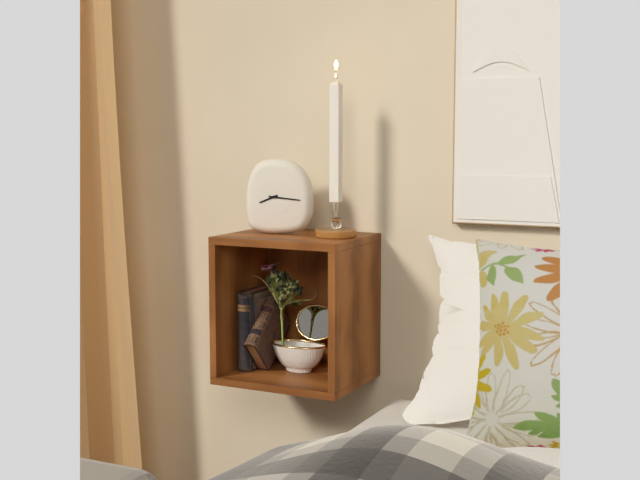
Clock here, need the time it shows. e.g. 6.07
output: 8.16
